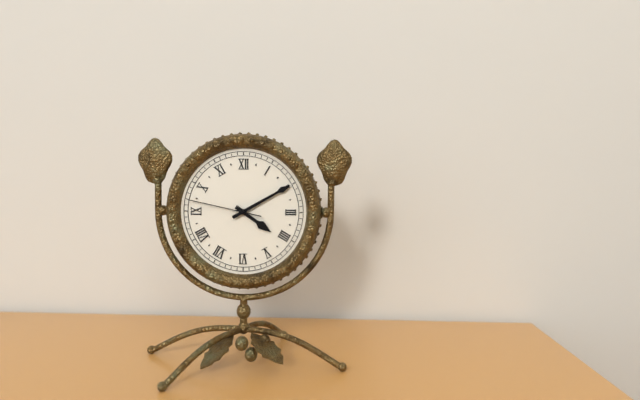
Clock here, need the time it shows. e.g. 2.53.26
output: 4.10.47
